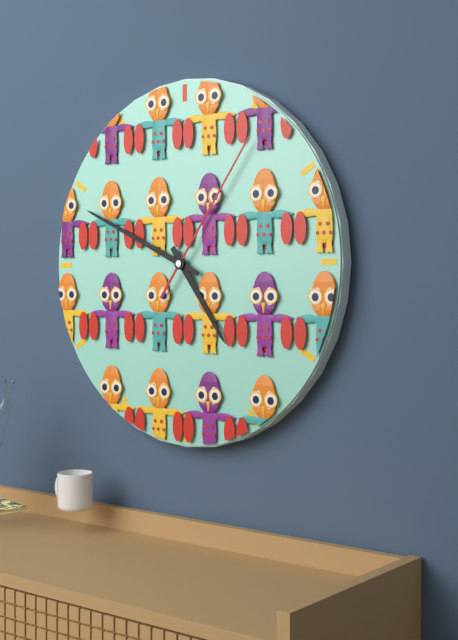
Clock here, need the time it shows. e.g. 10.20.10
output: 4.49.06
